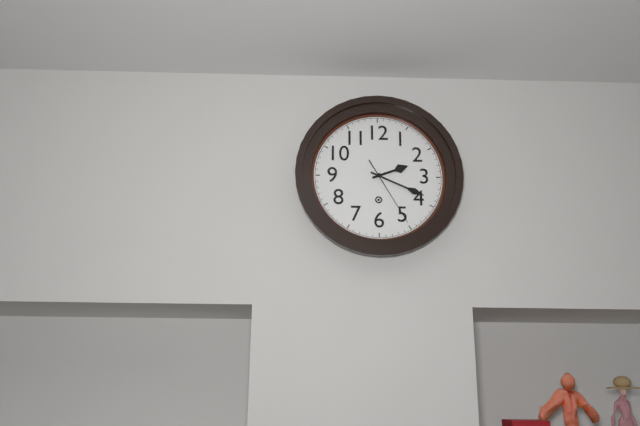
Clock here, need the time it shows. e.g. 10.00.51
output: 2.19.25
